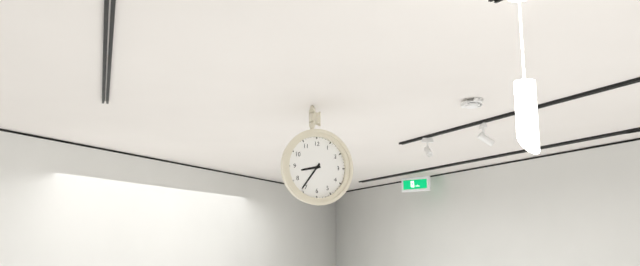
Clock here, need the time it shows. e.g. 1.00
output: 8.36
